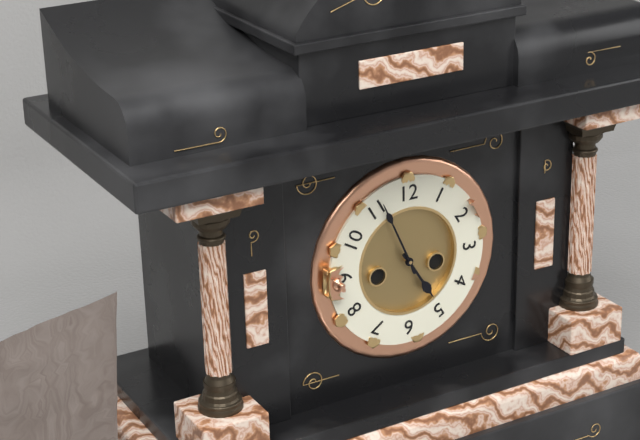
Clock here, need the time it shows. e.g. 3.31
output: 4.56
